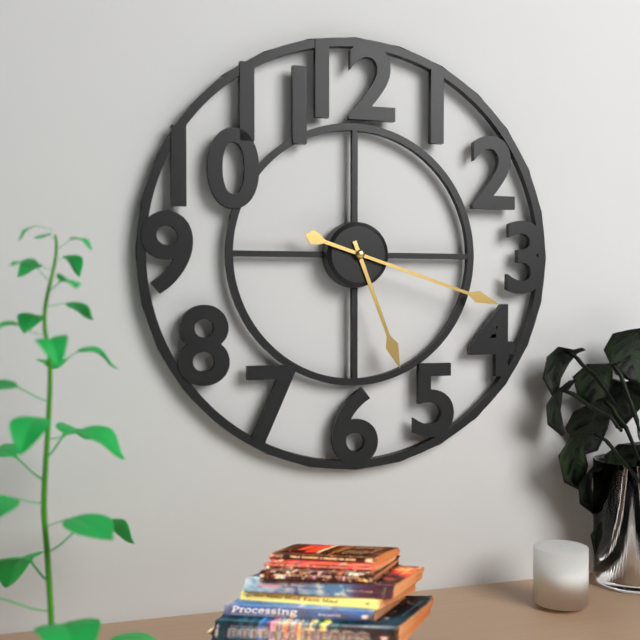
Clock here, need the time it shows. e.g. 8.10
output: 5.18
